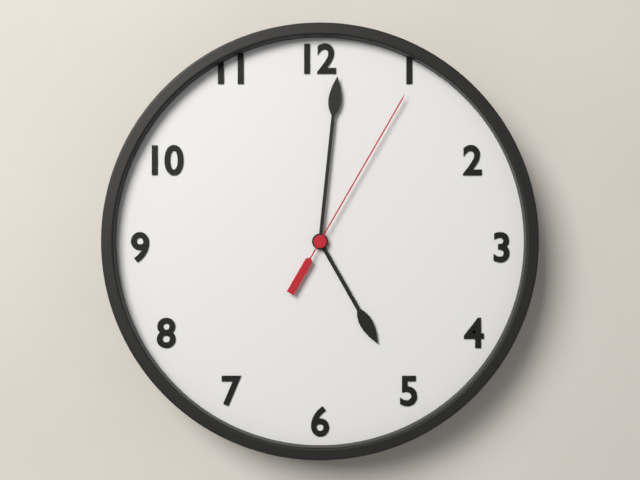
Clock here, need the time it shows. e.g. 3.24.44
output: 5.01.05
